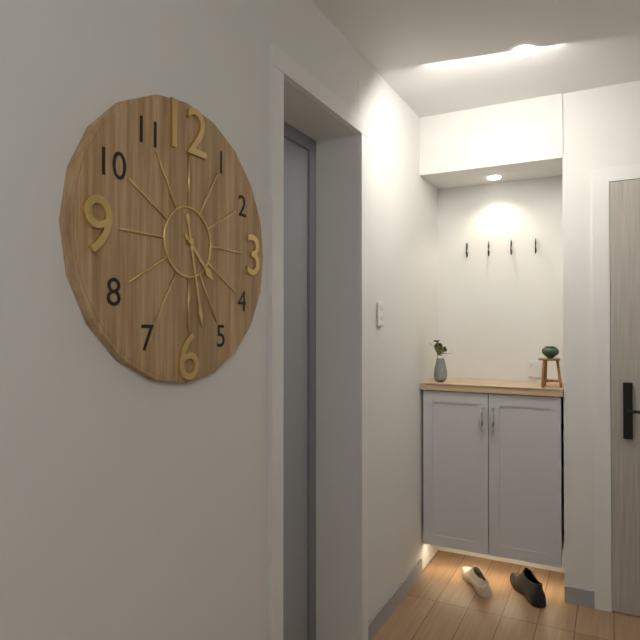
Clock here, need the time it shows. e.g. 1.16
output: 4.28
